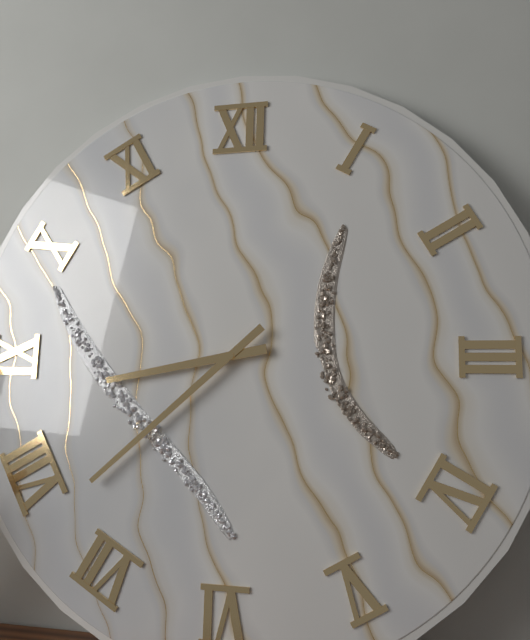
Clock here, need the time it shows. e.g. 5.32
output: 8.38
